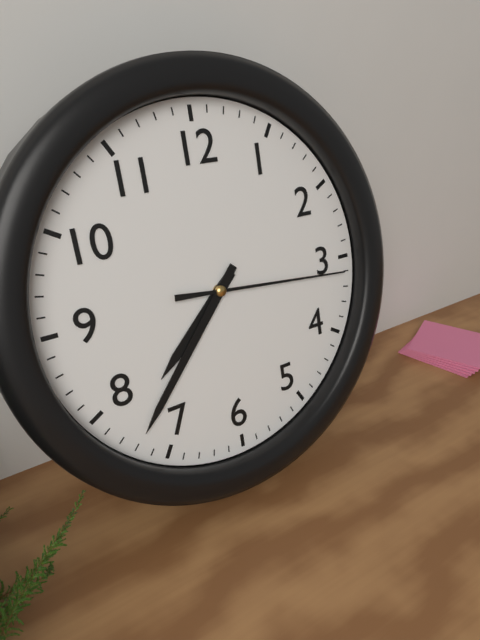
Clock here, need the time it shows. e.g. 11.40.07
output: 7.37.16
